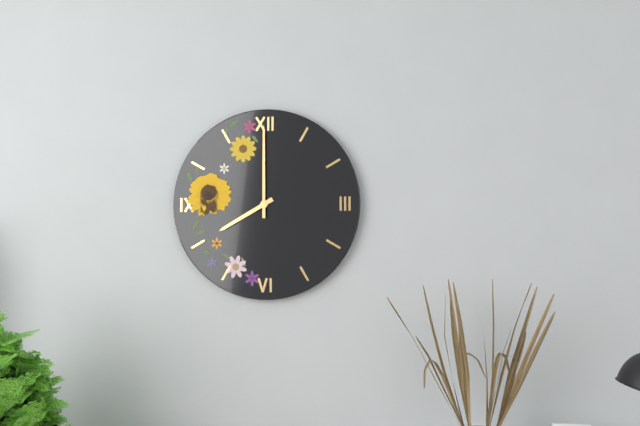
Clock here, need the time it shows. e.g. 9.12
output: 8.00
